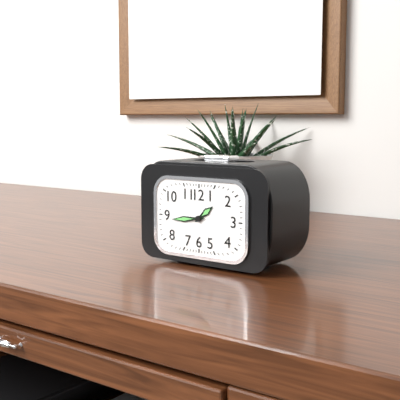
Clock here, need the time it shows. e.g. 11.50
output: 1.44
